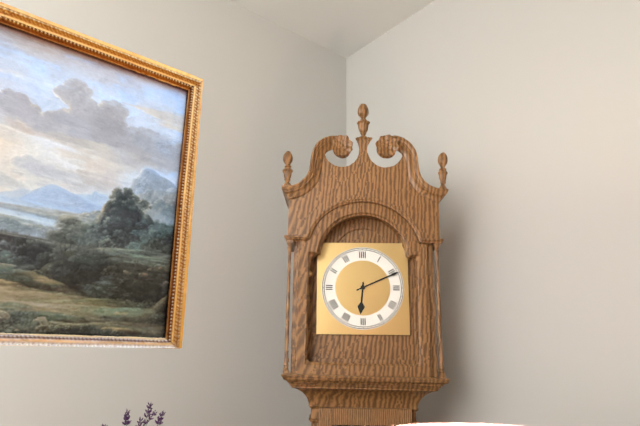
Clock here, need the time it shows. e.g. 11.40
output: 6.11
